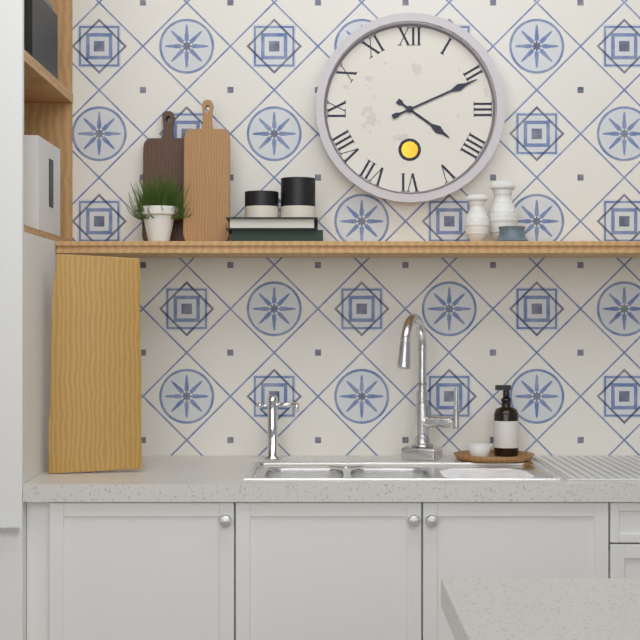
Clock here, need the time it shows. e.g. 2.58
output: 4.11
